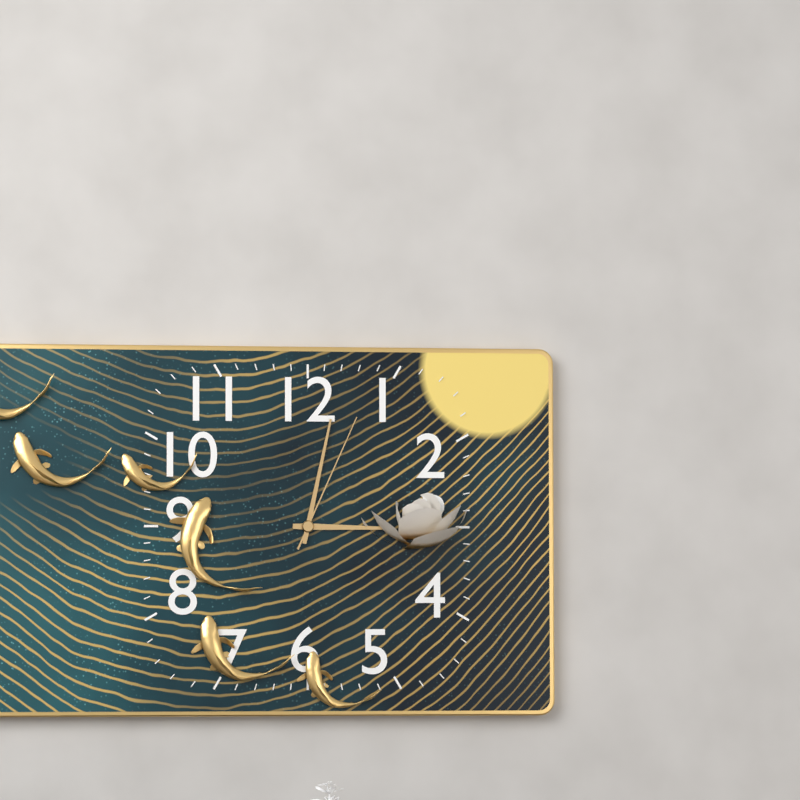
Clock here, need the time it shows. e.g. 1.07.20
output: 3.02.04
